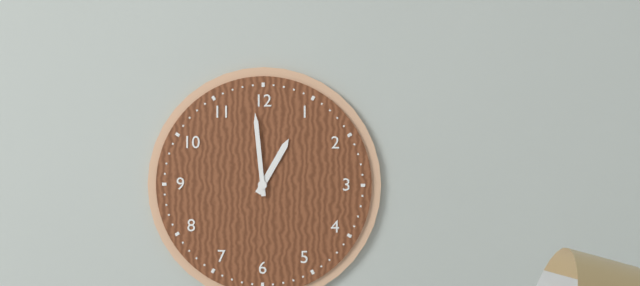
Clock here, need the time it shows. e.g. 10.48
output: 12.59
